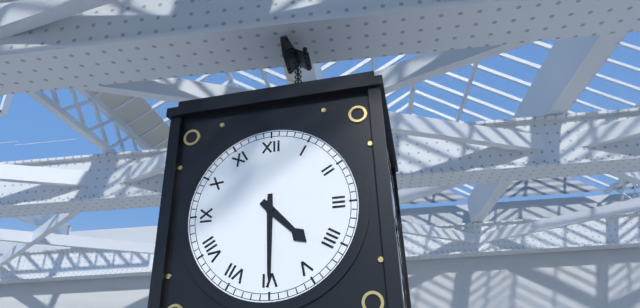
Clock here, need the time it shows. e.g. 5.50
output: 4.30
